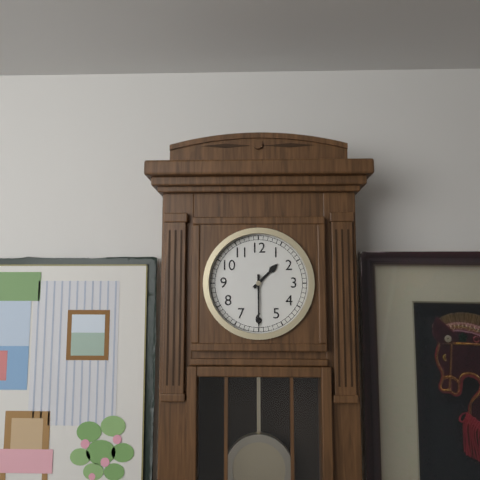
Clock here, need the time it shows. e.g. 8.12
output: 1.30
